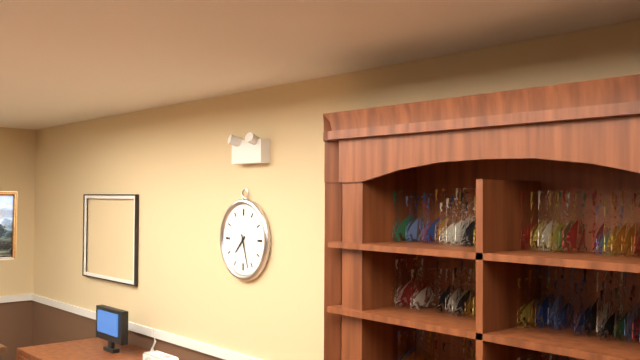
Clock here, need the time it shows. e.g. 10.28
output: 7.27
